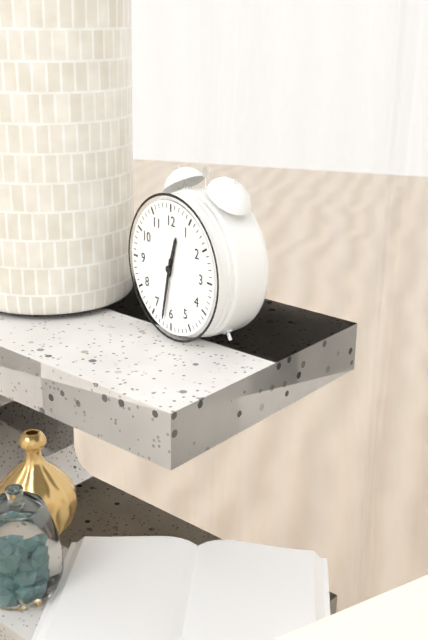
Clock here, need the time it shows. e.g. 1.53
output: 12.32
